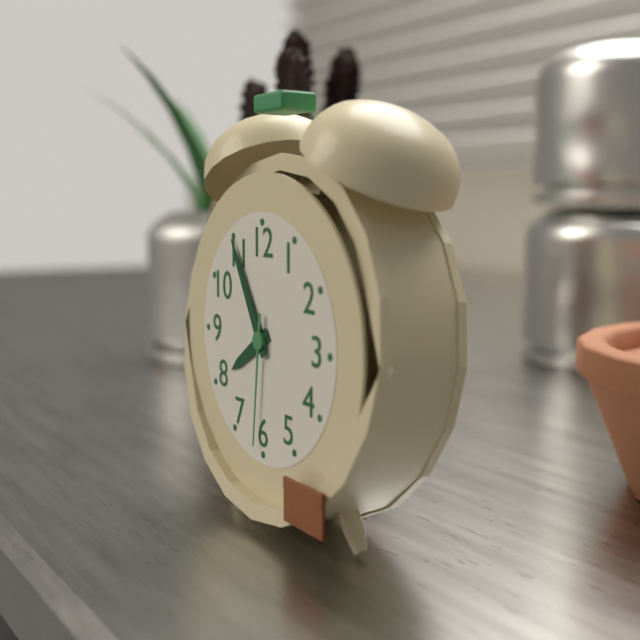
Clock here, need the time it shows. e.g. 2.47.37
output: 7.55.31
